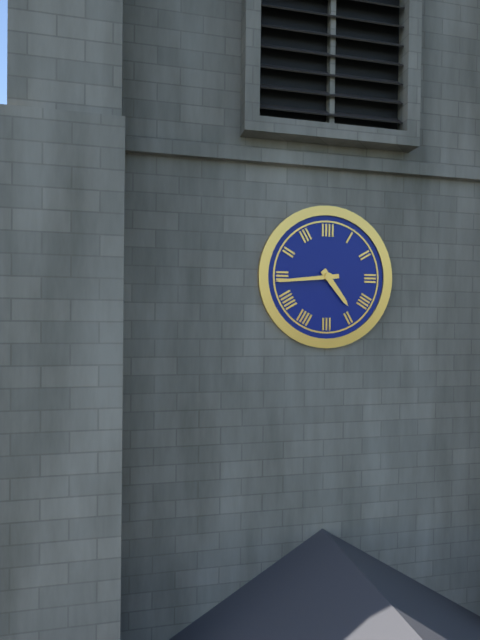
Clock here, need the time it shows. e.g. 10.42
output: 4.44
